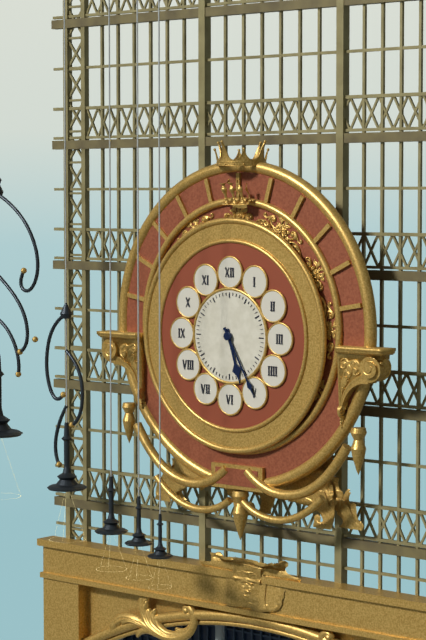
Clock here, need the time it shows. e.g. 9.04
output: 5.25
